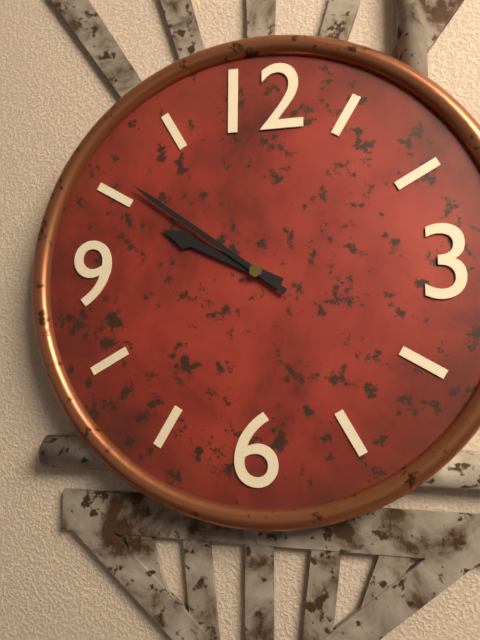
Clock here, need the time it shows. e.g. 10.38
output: 9.51
